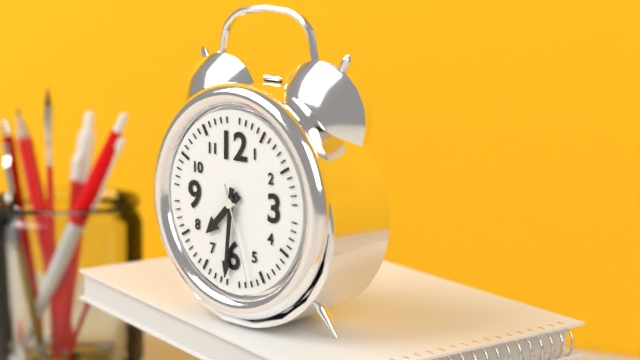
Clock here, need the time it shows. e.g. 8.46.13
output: 7.31.27
